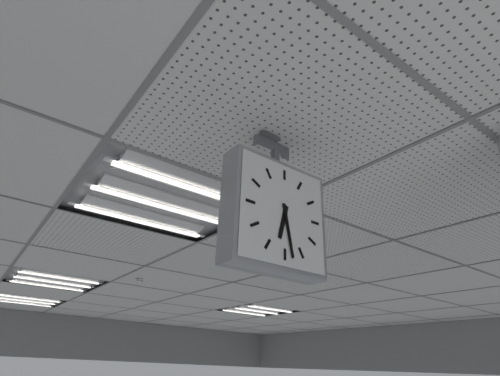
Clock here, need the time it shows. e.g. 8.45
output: 6.28
